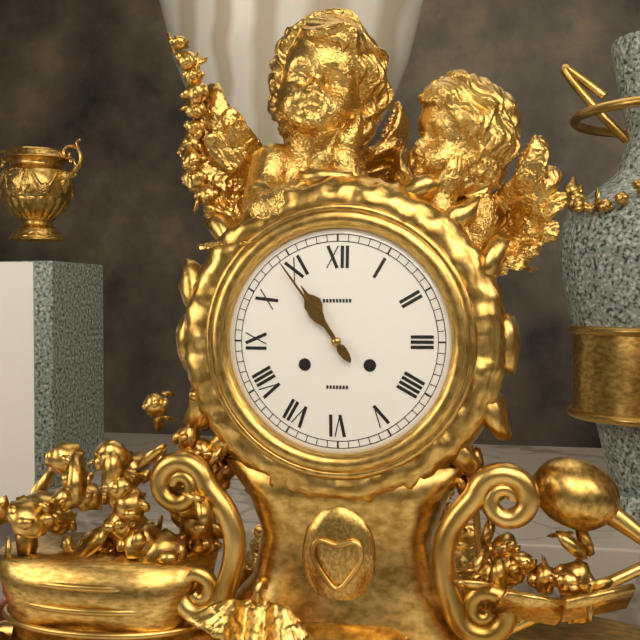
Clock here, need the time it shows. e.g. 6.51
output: 10.54
